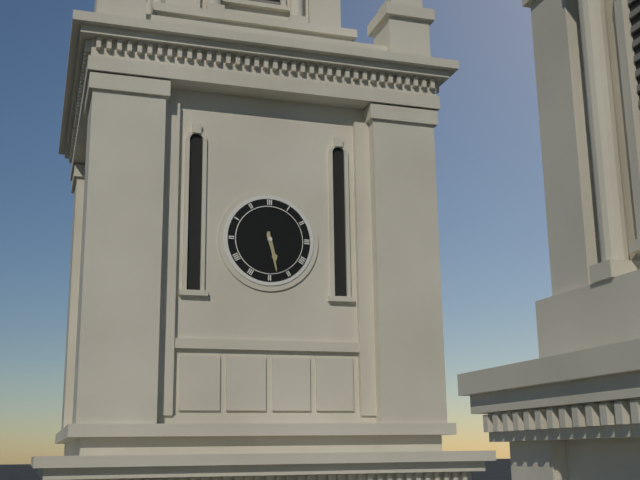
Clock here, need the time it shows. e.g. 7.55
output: 5.28
